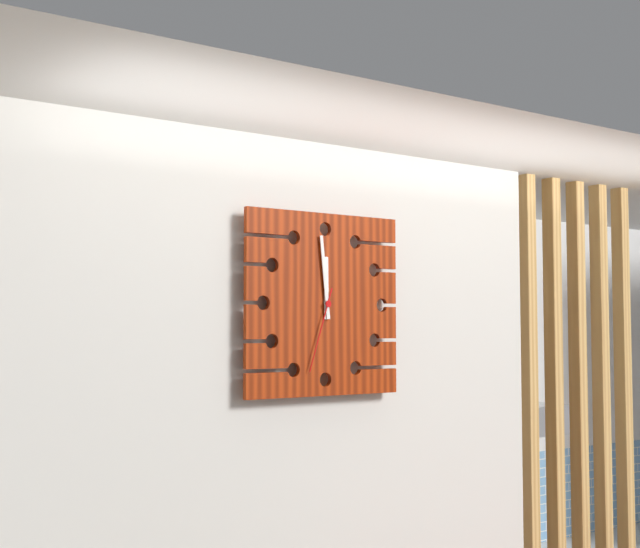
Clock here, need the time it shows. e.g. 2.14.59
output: 11.59.33
